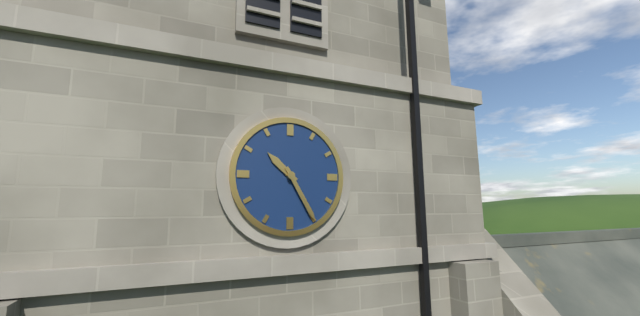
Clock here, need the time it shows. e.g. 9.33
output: 10.25
